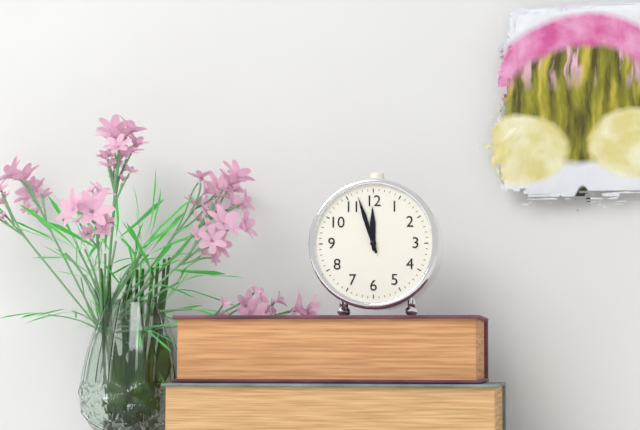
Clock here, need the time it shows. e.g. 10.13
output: 11.57
